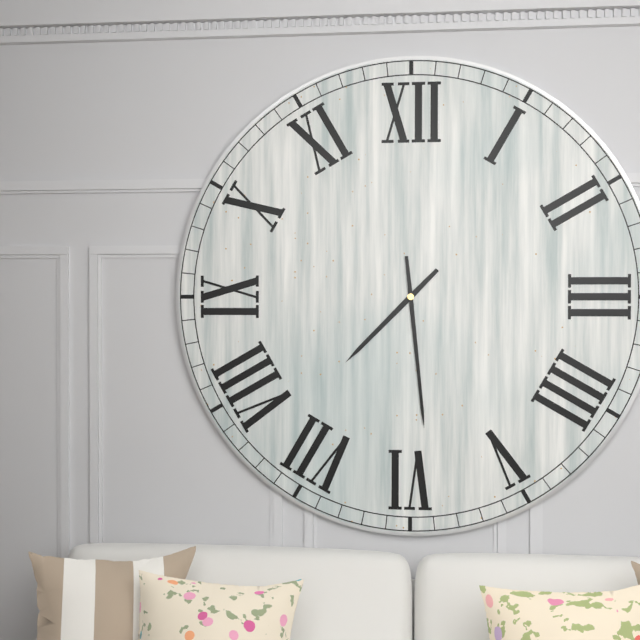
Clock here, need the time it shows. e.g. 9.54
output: 7.29
